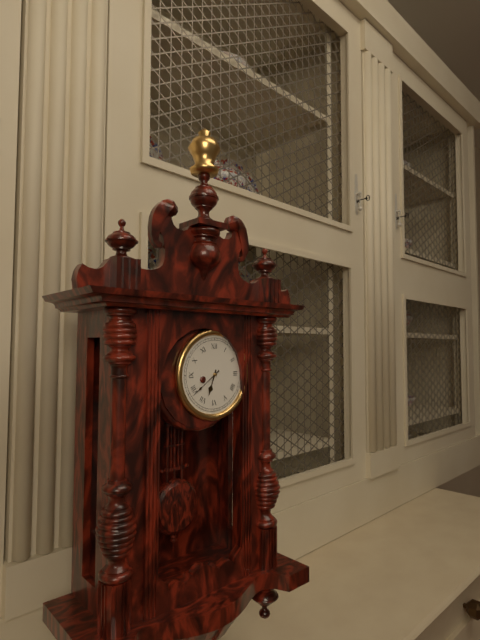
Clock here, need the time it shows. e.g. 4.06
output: 6.39
